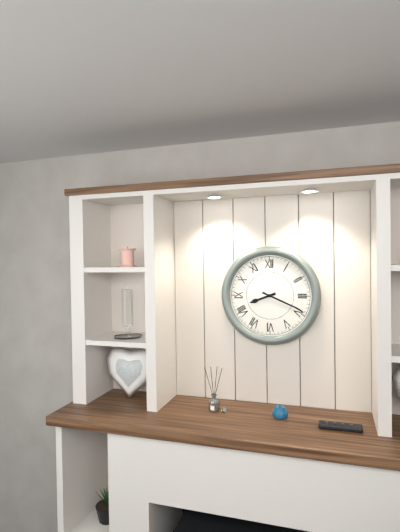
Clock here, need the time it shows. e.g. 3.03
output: 8.19
